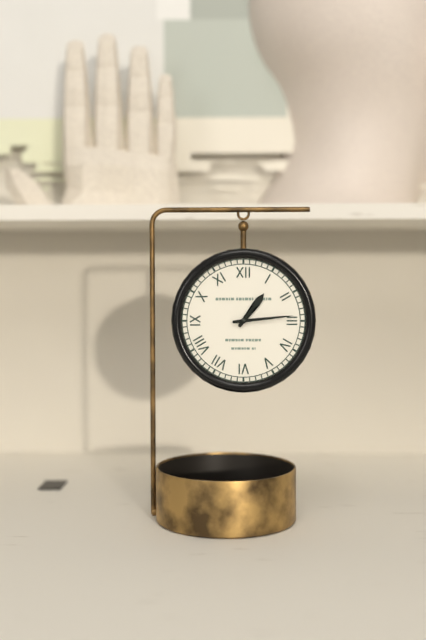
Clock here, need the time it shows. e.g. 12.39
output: 1.14
